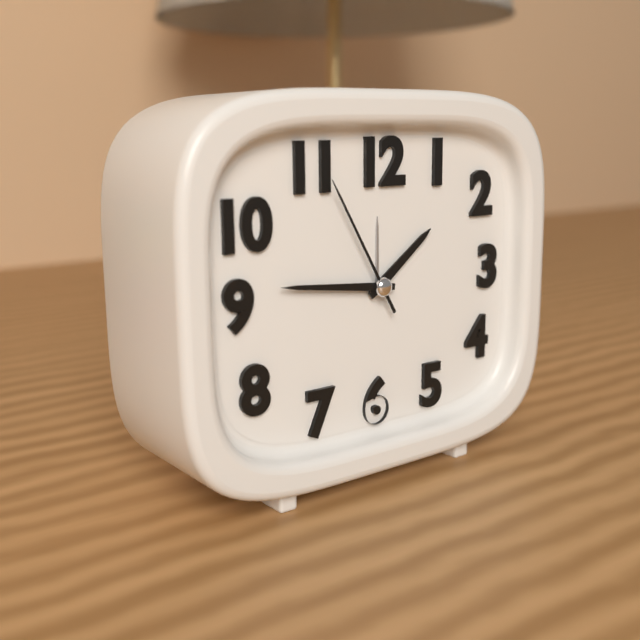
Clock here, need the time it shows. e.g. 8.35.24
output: 1.46.55
